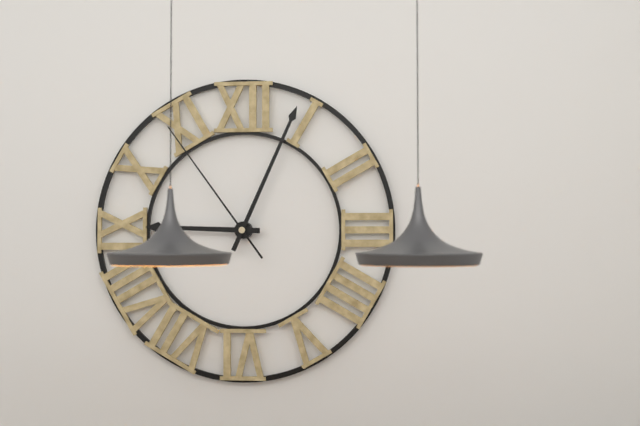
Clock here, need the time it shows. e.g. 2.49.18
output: 9.04.54
